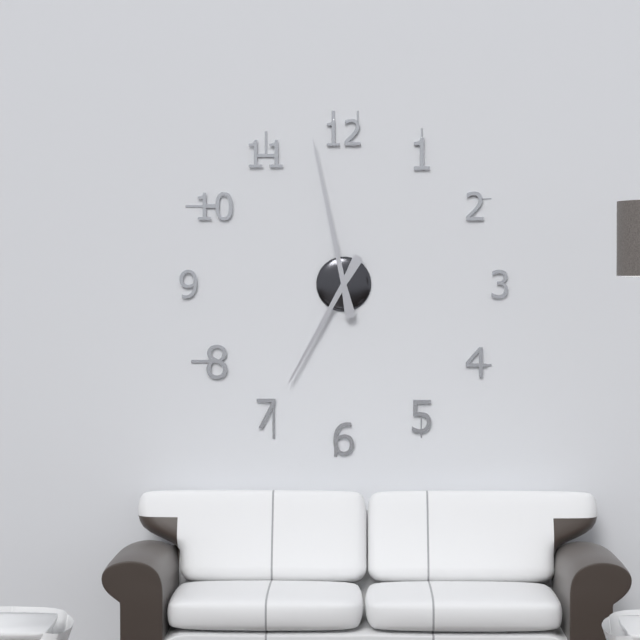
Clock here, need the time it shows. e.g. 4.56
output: 6.58
